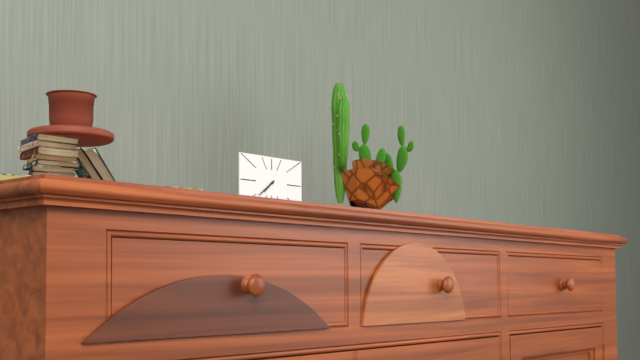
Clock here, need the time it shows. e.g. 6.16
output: 7.39
